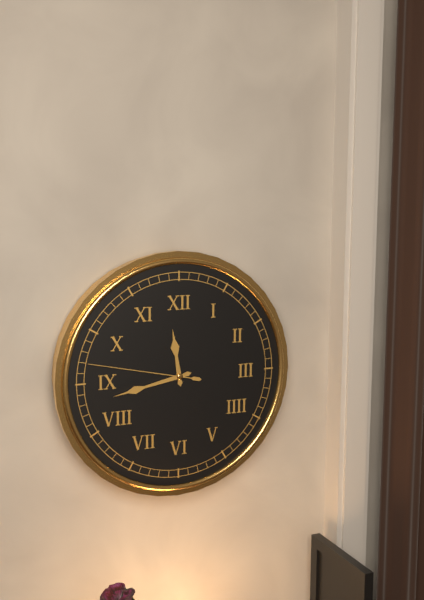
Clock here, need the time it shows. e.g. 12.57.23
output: 11.43.47
